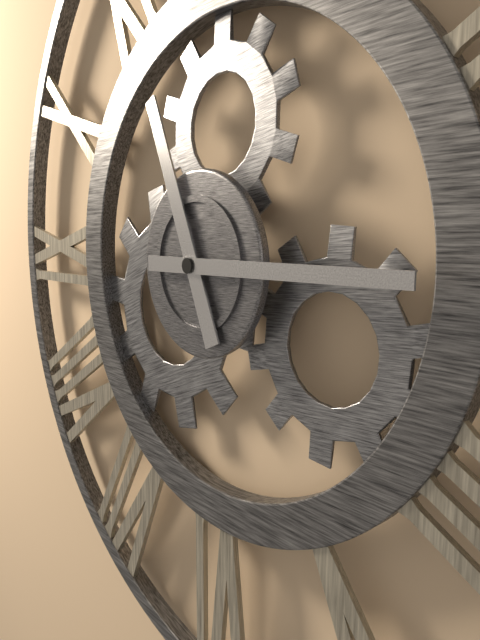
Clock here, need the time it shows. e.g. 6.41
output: 11.15
